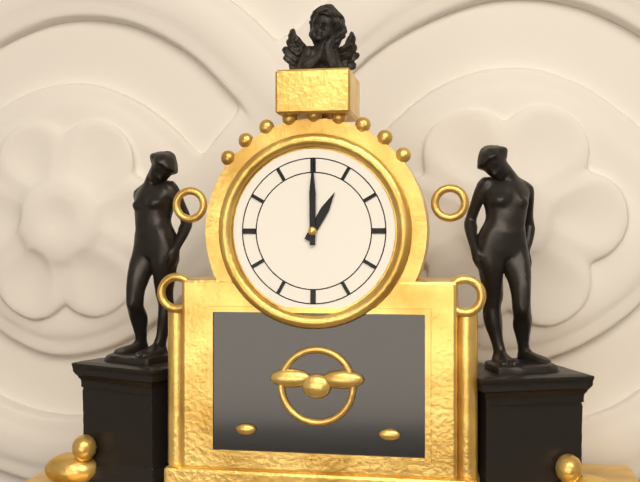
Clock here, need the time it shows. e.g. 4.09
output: 1.00
